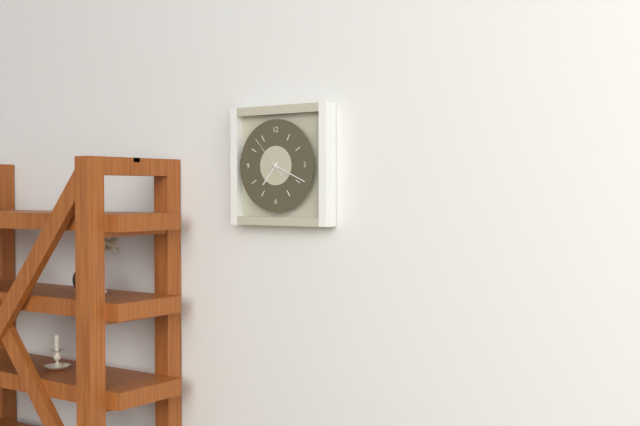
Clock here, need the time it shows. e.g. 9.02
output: 7.19
